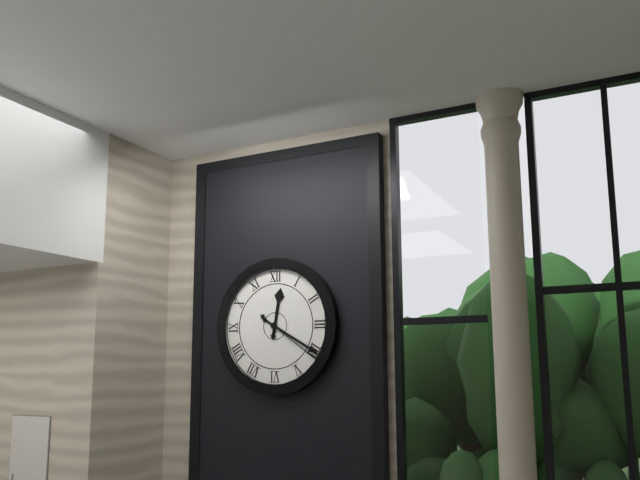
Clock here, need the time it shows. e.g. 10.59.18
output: 12.20.21
